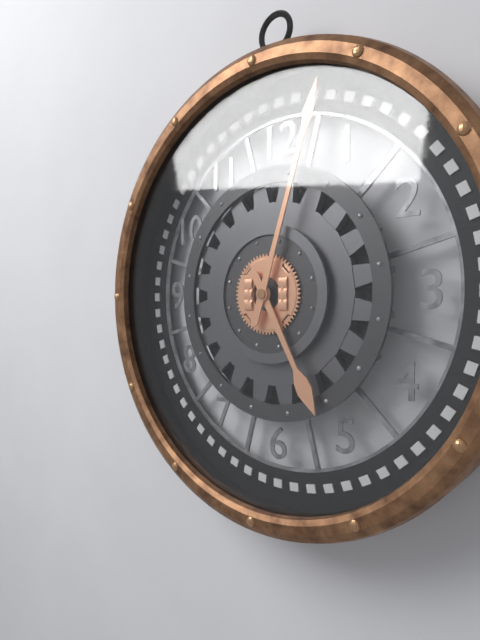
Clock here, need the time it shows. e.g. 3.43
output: 5.03
